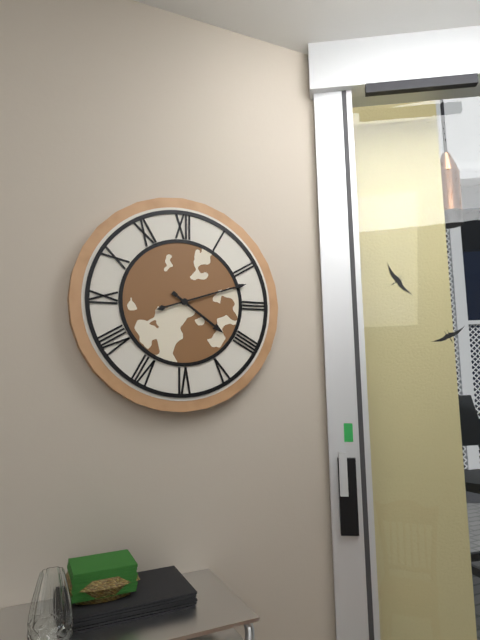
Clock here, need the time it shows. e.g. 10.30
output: 4.12
